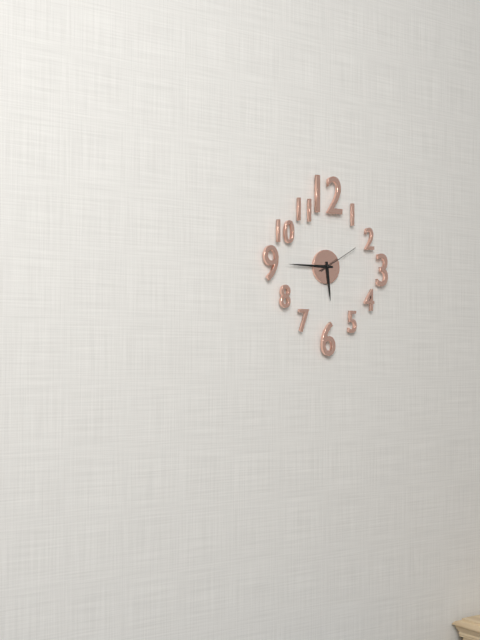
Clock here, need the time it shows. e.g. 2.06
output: 5.45
